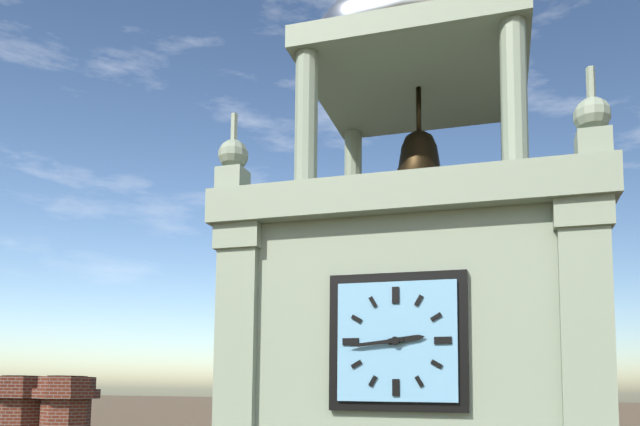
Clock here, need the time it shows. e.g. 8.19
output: 2.44
